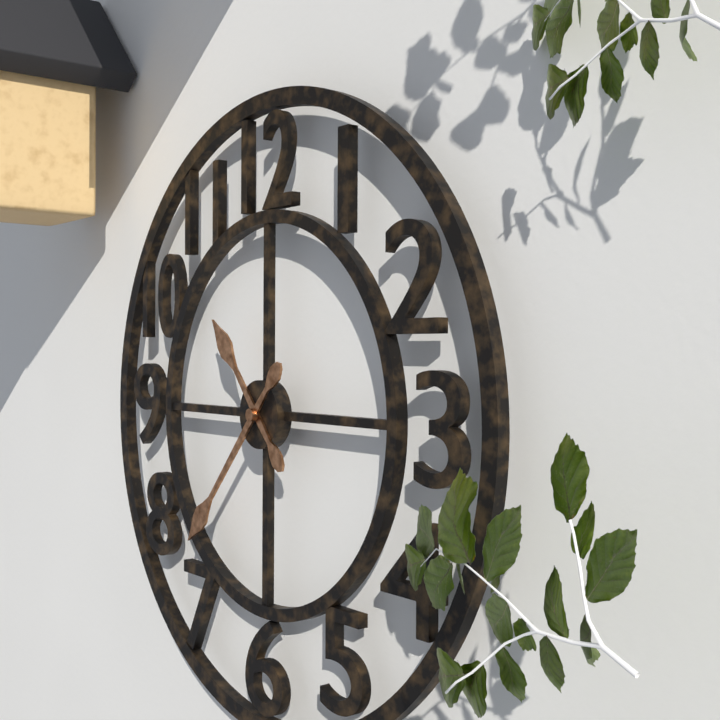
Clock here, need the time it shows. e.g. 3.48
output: 10.37
